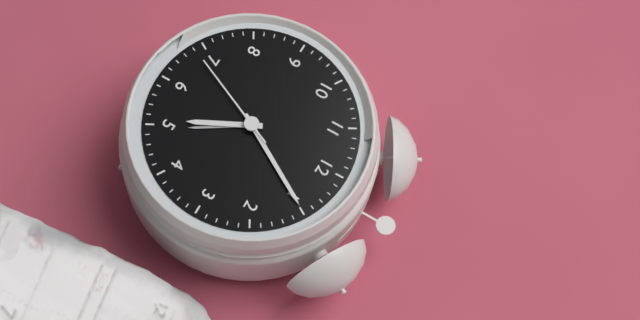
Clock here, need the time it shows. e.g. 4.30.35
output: 5.05.34
